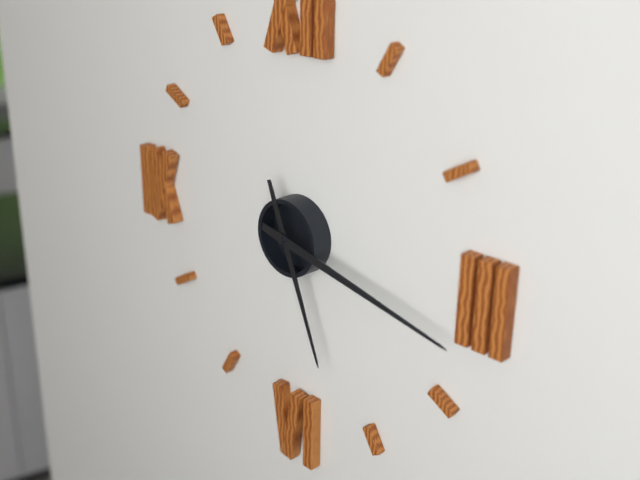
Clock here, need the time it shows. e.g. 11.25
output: 5.17
